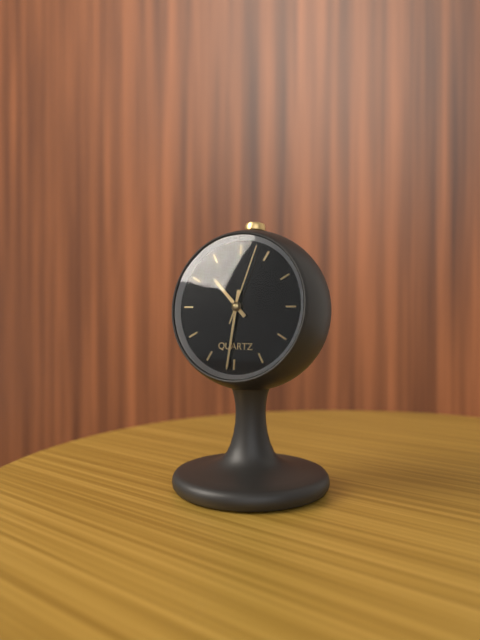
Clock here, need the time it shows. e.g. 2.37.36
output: 10.31.03
